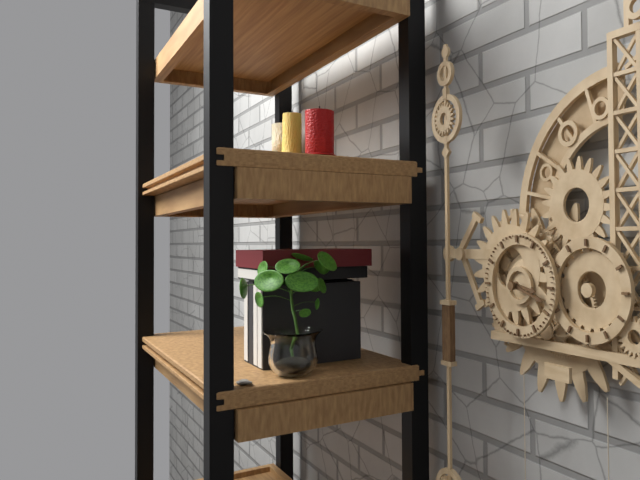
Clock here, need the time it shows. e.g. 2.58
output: 3.18
